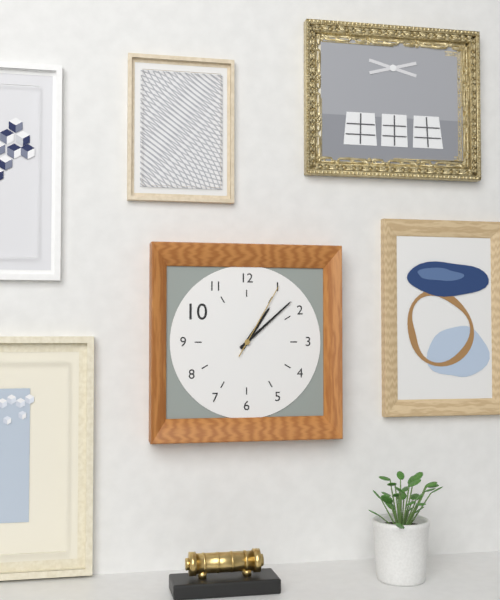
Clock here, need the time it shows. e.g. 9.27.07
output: 1.08.05
